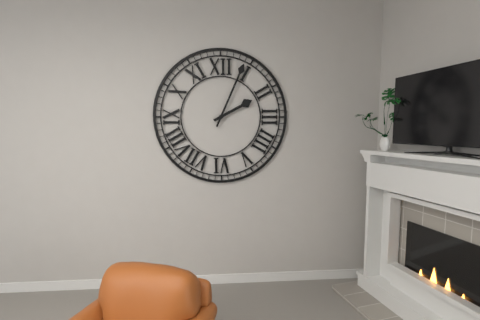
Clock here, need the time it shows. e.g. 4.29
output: 2.04
